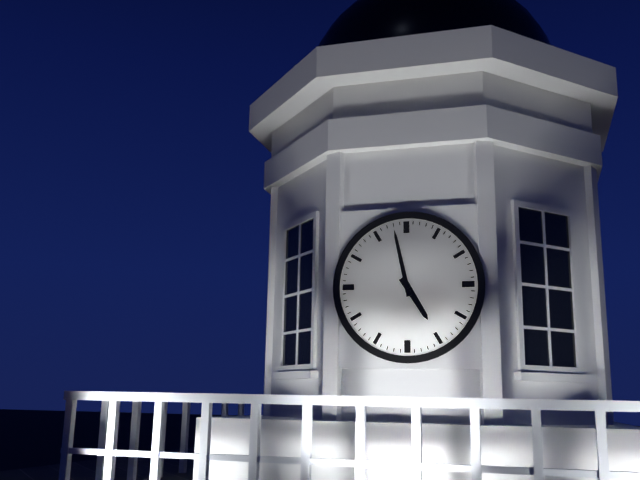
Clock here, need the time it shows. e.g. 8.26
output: 4.58
